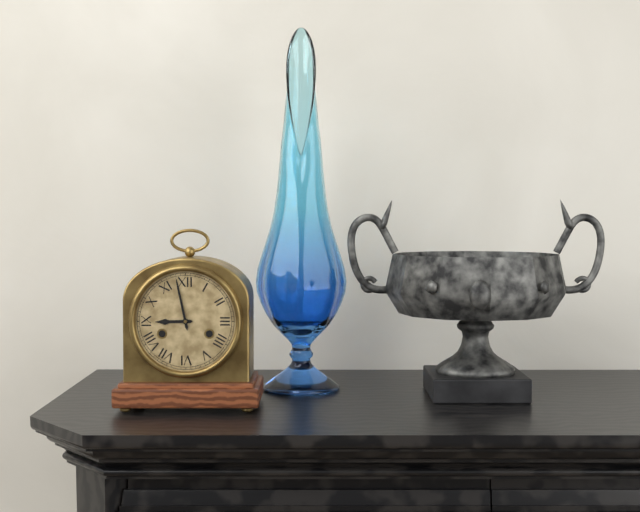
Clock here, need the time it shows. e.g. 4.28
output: 8.58
